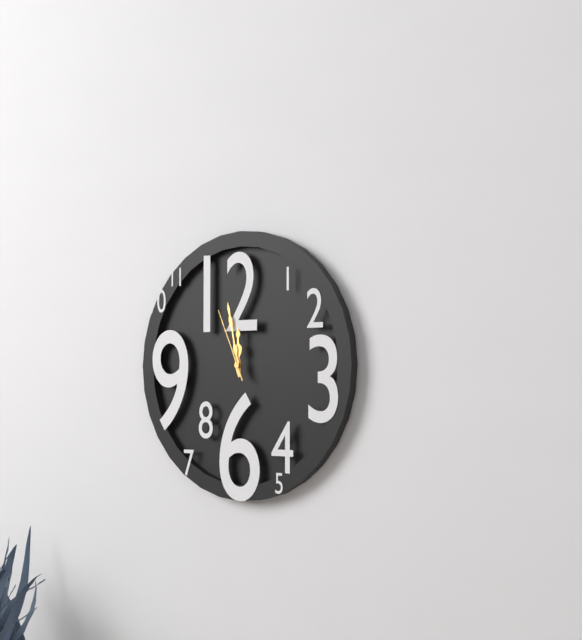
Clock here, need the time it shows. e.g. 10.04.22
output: 11.58.56
